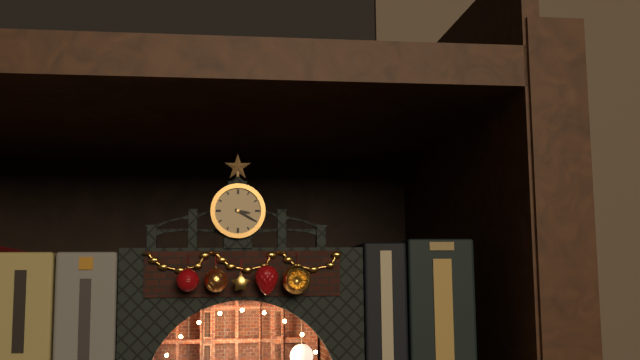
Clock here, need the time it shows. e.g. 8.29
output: 3.20
